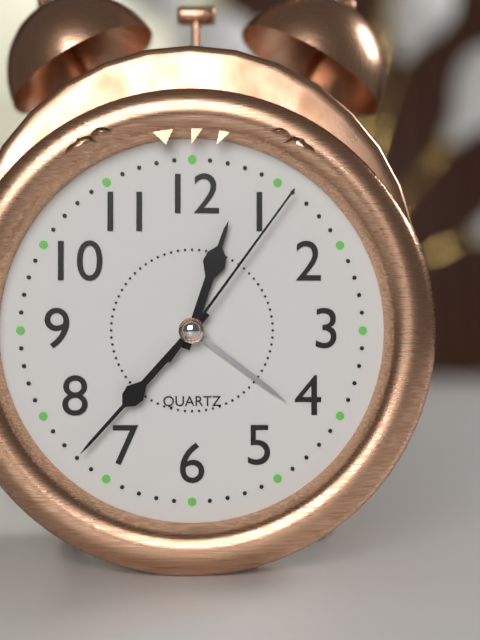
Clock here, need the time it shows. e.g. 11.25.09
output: 12.37.06
